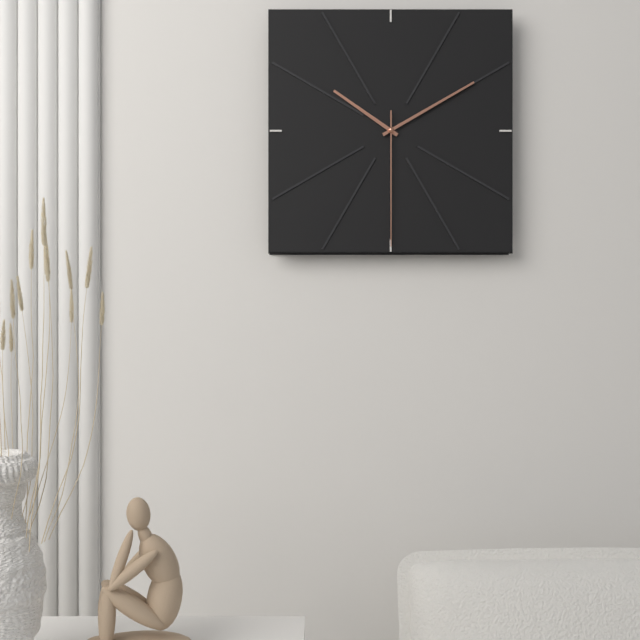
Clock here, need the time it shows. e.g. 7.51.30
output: 10.10.30
